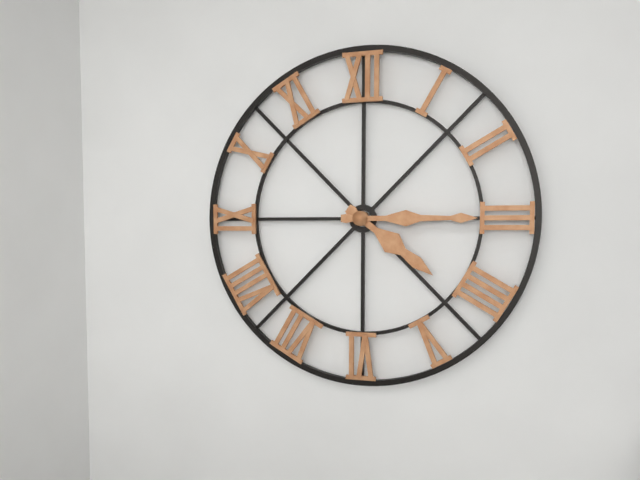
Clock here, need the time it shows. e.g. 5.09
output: 4.15
